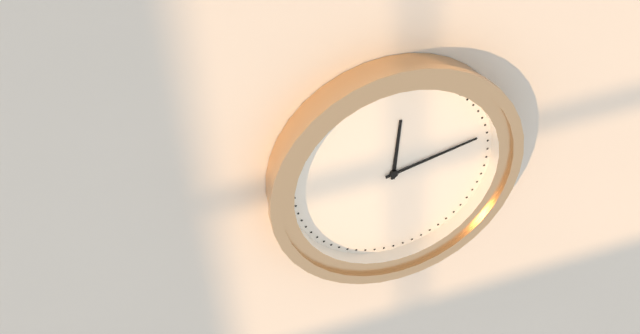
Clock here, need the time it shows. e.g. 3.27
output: 12.13
